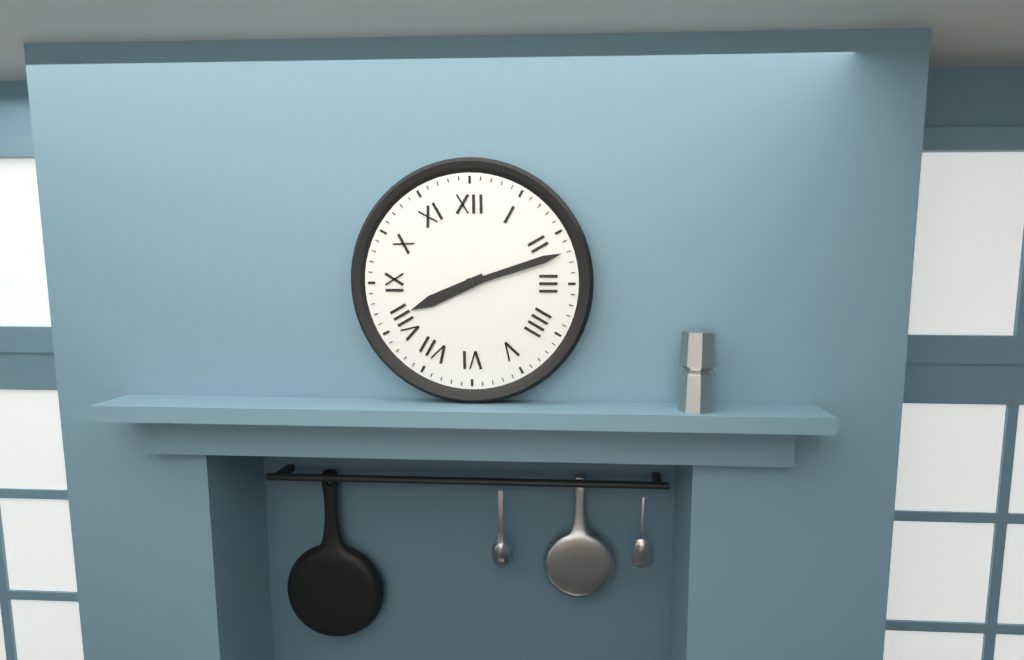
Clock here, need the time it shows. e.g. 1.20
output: 8.12
